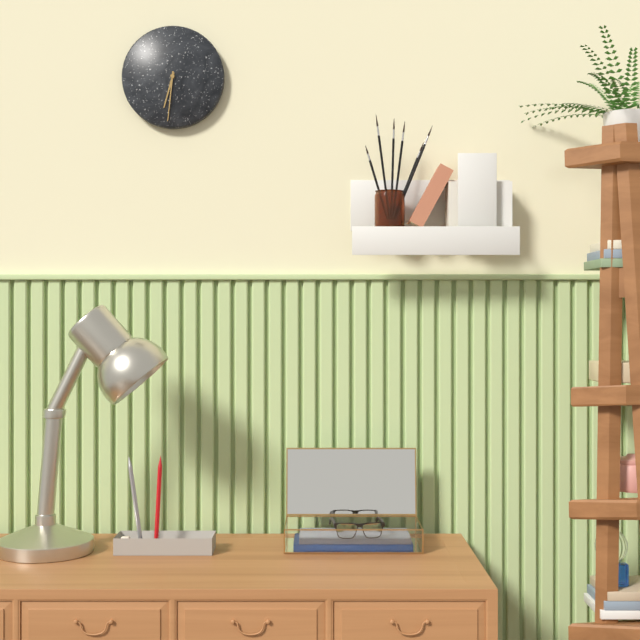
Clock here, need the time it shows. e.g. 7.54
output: 6.31
